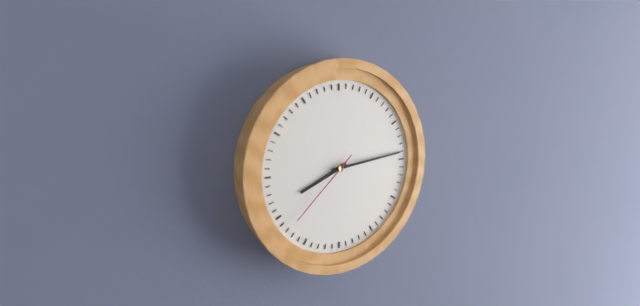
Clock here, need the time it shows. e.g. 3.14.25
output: 8.14.38
